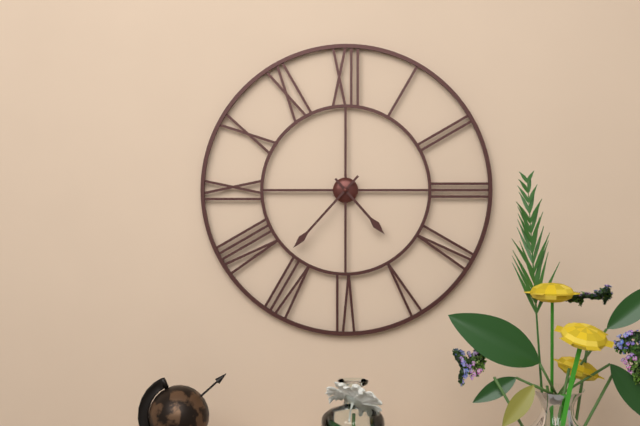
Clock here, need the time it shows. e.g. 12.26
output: 4.37
